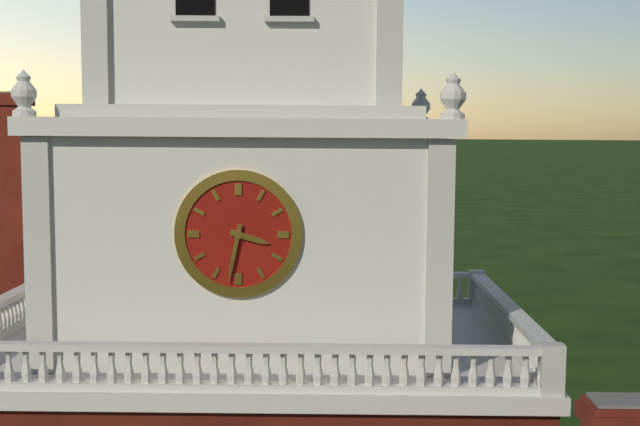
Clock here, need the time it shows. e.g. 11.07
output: 3.32
